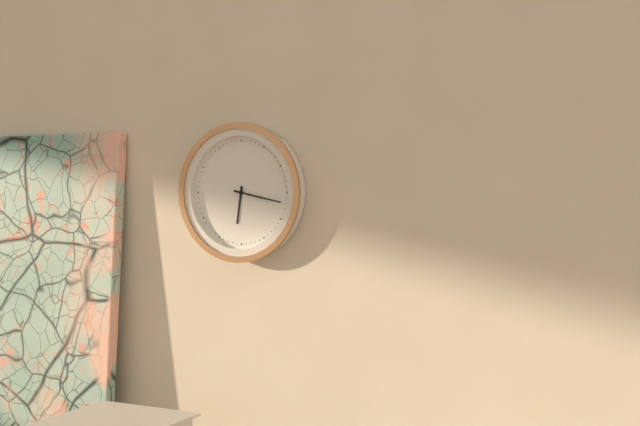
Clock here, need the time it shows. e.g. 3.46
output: 6.17
